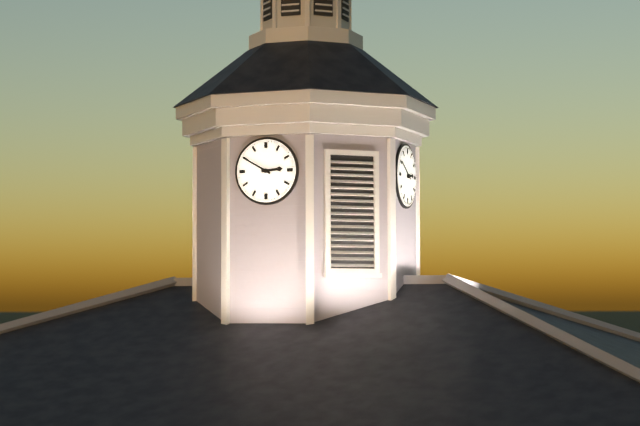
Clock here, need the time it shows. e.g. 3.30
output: 2.50
